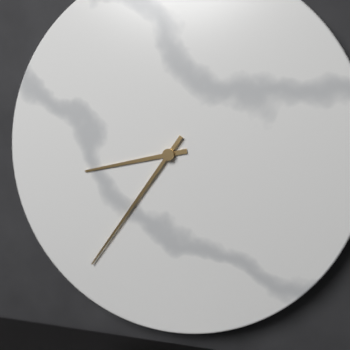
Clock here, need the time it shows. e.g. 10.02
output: 8.36
